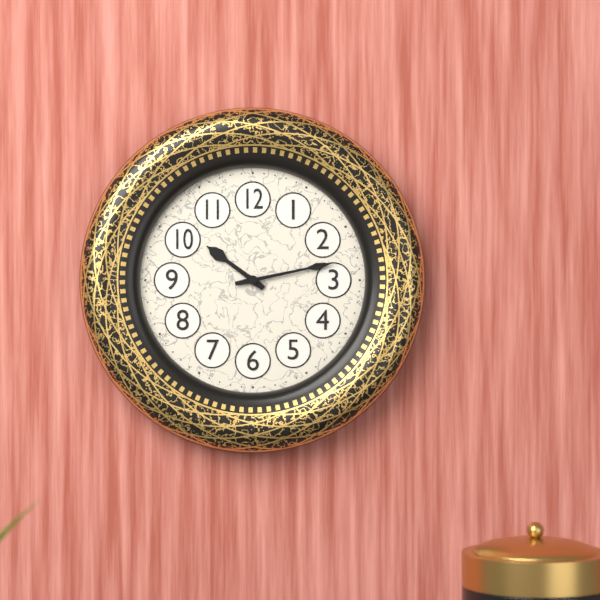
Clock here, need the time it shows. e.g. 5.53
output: 10.13
